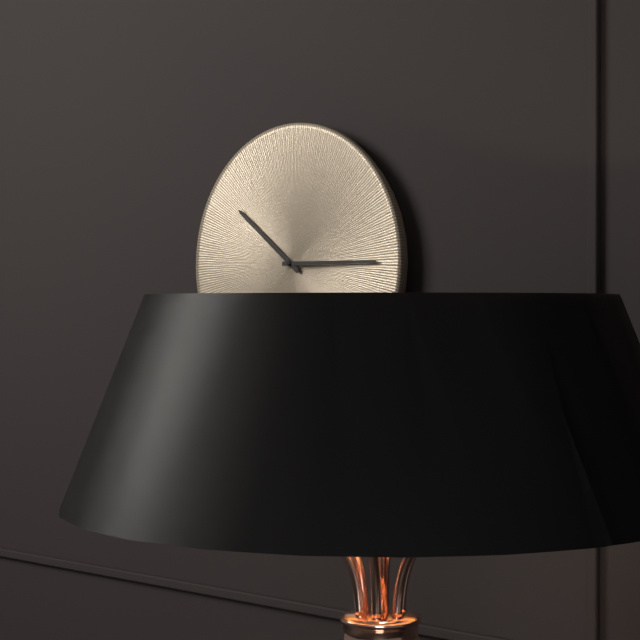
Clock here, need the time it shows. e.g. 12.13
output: 10.15
